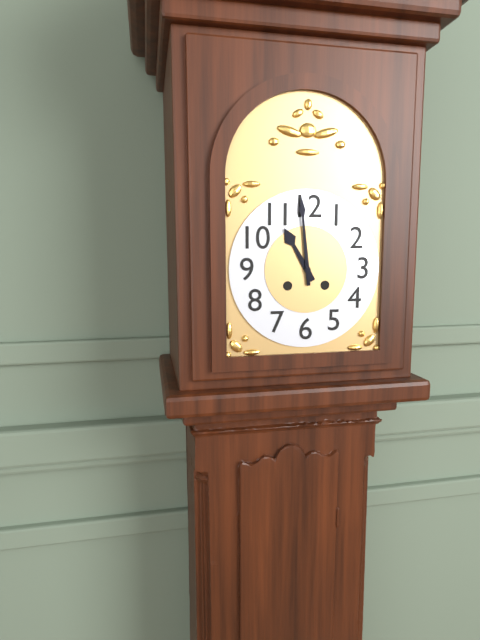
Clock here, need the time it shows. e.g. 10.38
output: 10.59
